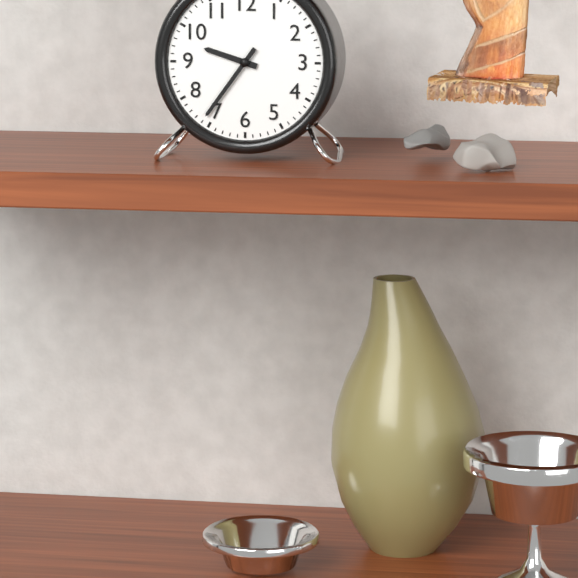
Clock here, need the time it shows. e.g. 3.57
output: 9.36
